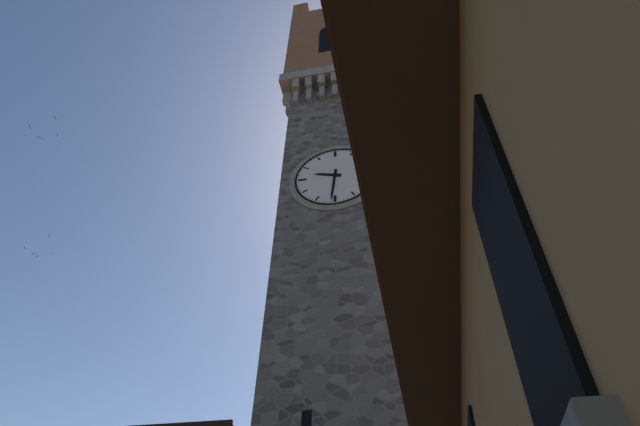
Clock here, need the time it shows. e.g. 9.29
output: 9.31
